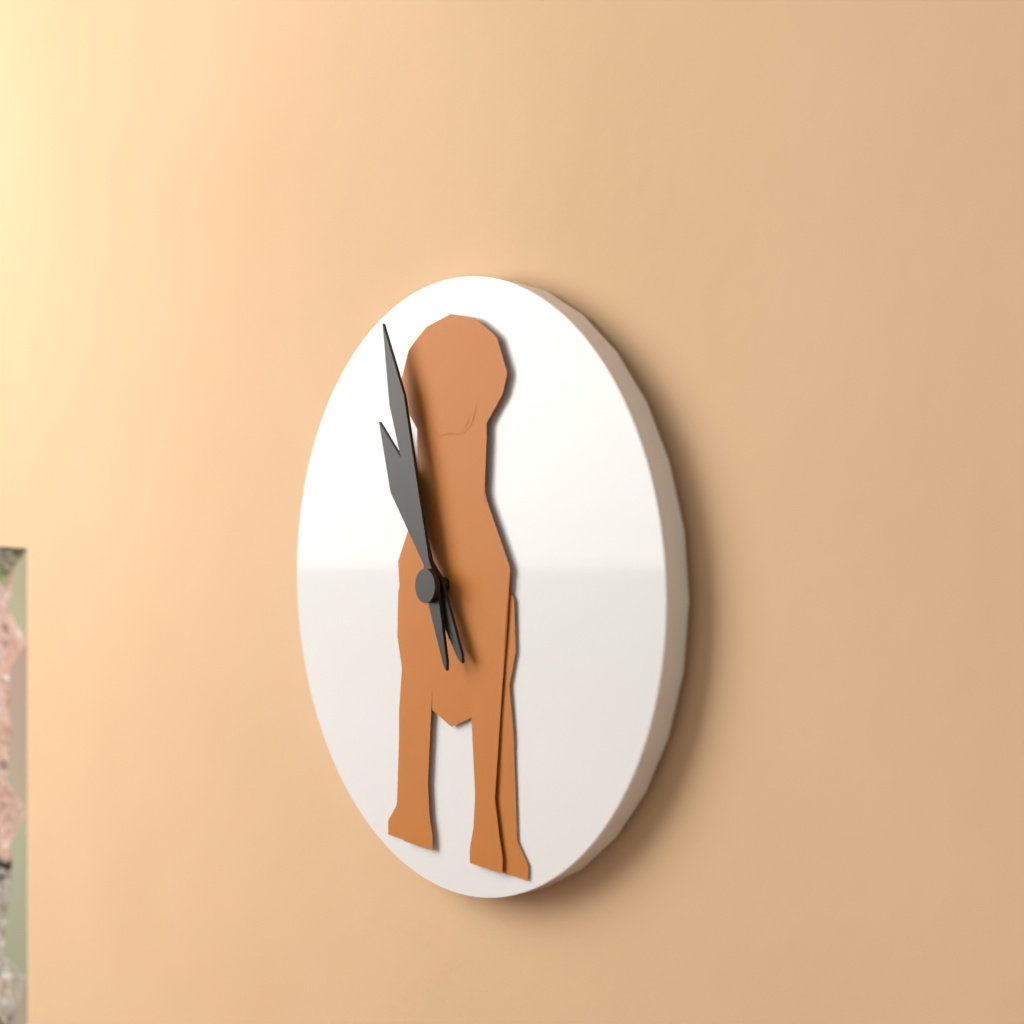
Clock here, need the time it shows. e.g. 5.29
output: 10.57
